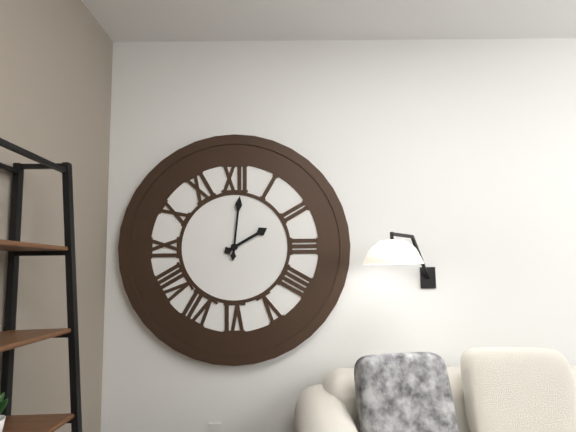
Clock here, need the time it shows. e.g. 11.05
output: 2.01
